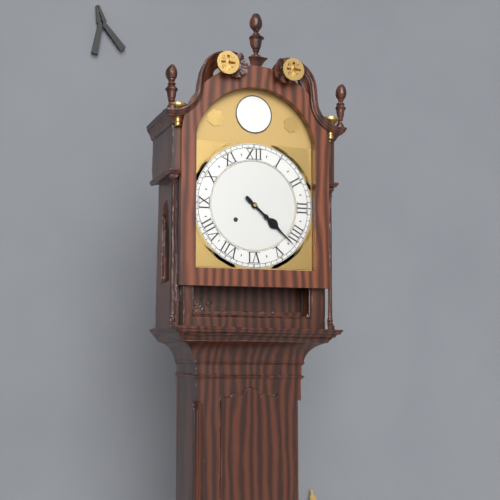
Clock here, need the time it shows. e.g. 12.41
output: 4.22
